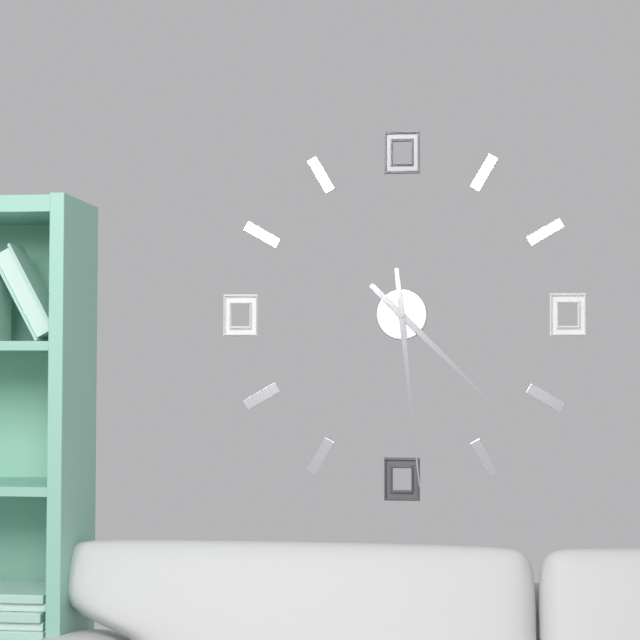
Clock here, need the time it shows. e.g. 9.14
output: 4.29
